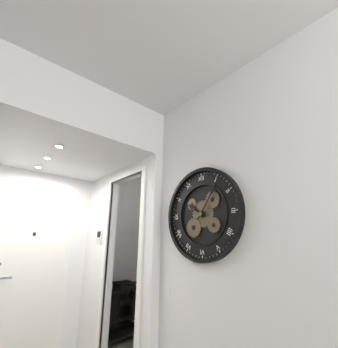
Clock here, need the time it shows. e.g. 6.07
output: 10.06
